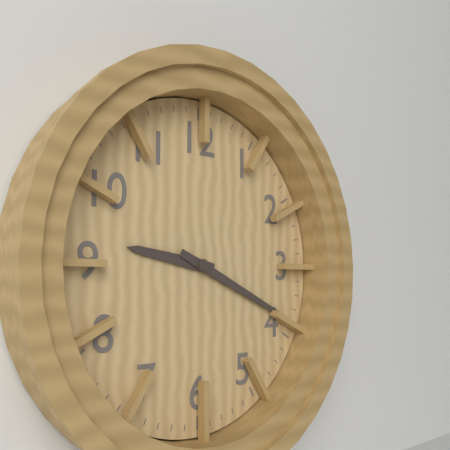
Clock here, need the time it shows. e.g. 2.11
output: 9.19
